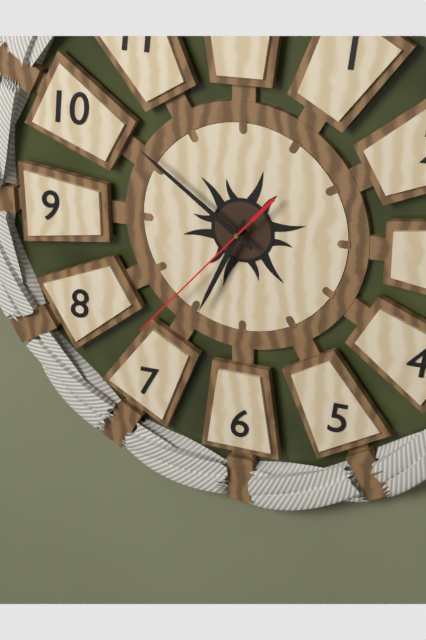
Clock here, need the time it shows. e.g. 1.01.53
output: 6.51.37
